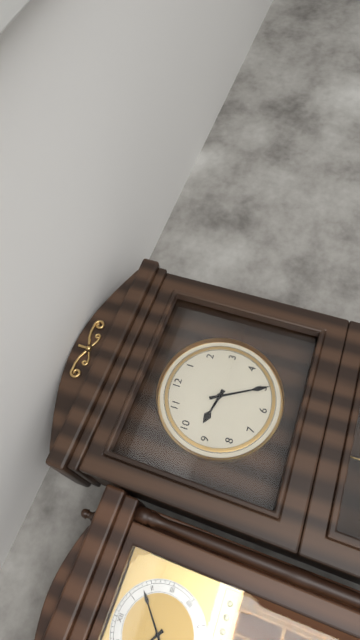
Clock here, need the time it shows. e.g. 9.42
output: 9.25
